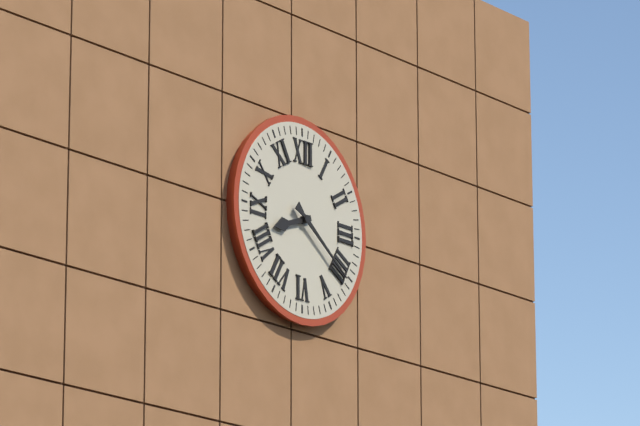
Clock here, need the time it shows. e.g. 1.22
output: 8.21
